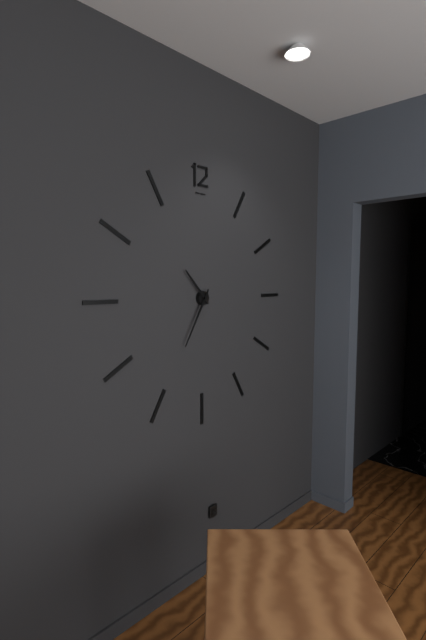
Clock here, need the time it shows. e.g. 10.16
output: 10.35
